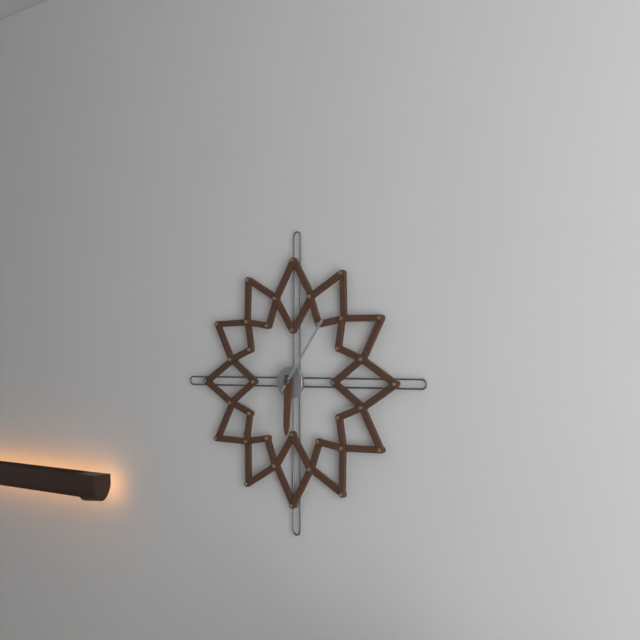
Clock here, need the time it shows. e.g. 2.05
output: 6.06
